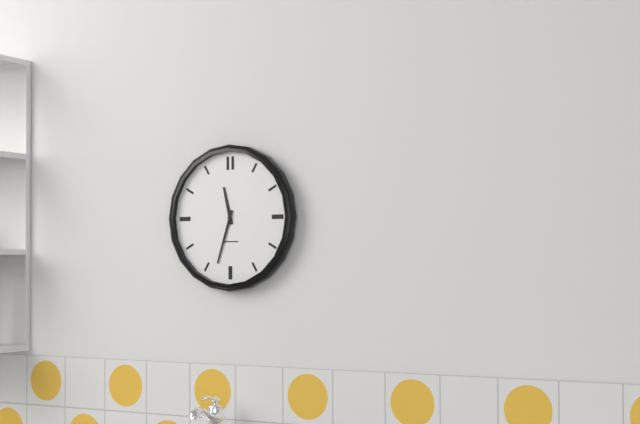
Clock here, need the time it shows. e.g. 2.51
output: 11.33
